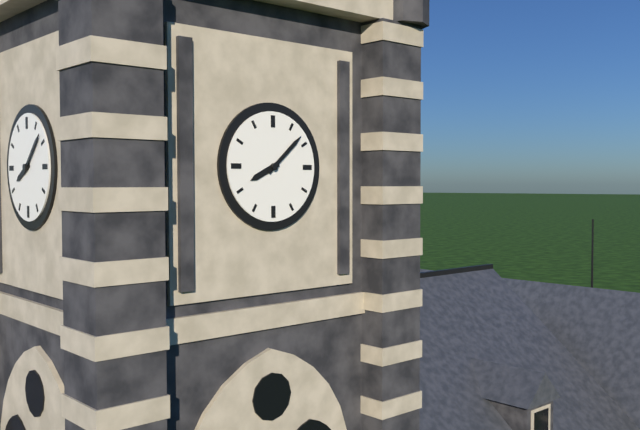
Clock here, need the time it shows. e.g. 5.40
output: 8.08
